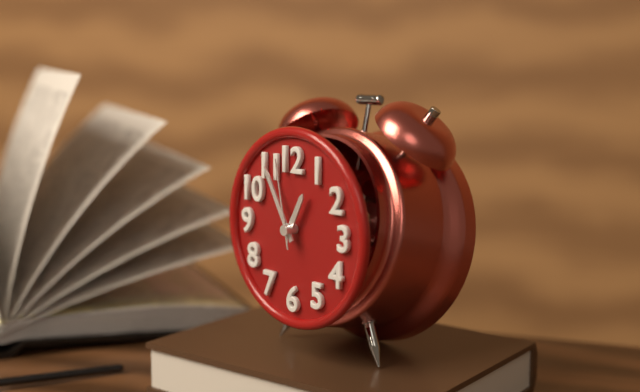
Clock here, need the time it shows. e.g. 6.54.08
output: 12.55.58
